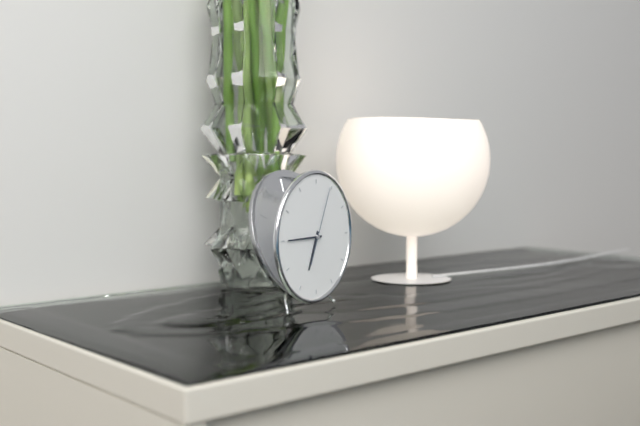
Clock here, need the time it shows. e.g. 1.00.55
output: 6.45.04
